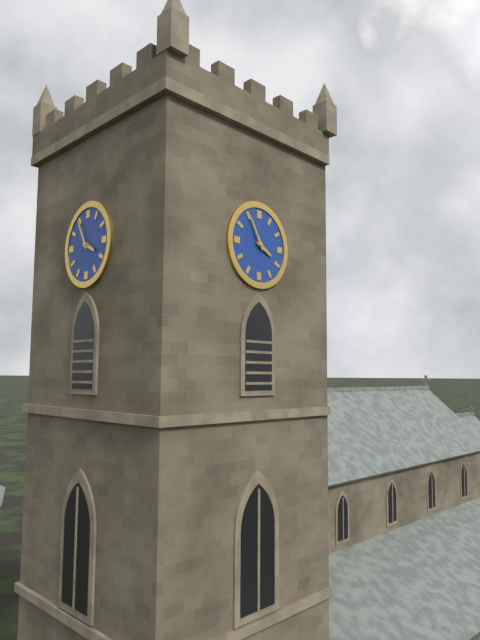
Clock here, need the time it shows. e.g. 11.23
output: 3.55
